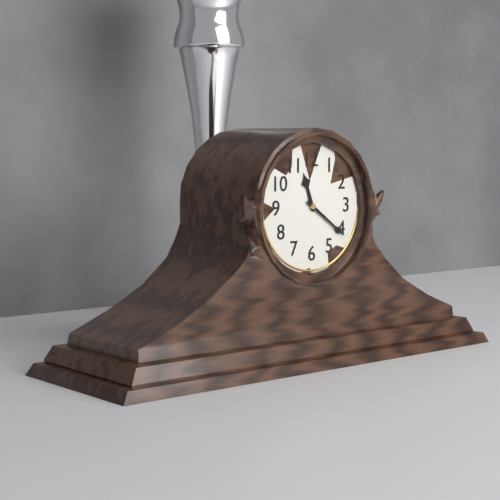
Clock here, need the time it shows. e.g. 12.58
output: 11.21
